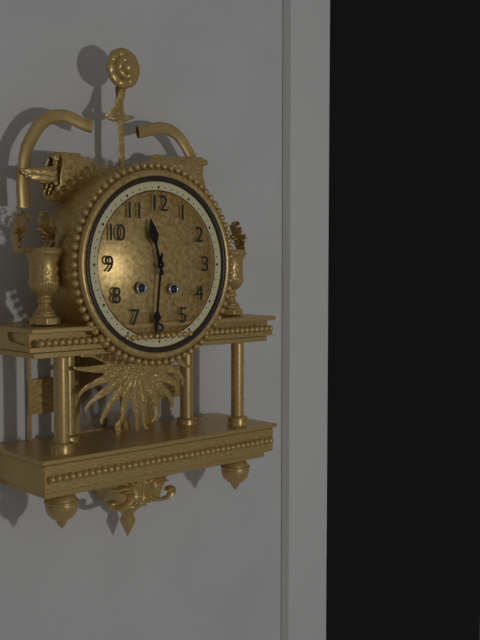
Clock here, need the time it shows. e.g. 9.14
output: 11.31
